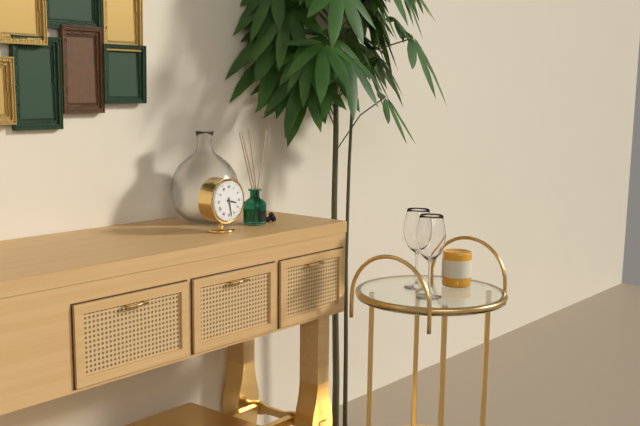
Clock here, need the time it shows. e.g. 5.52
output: 3.28
